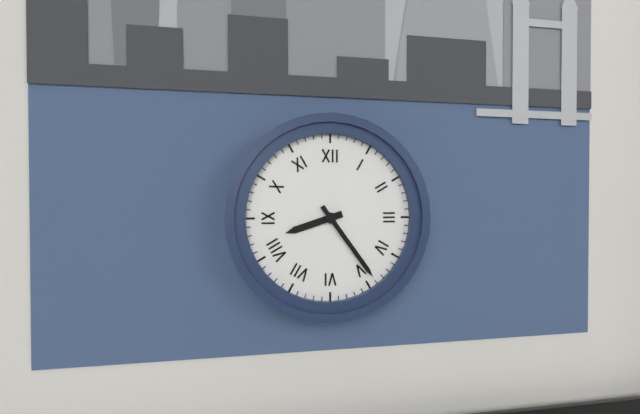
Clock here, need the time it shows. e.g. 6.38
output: 8.24
